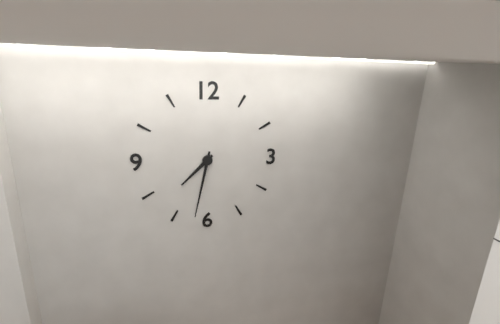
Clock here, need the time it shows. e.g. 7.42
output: 7.32
